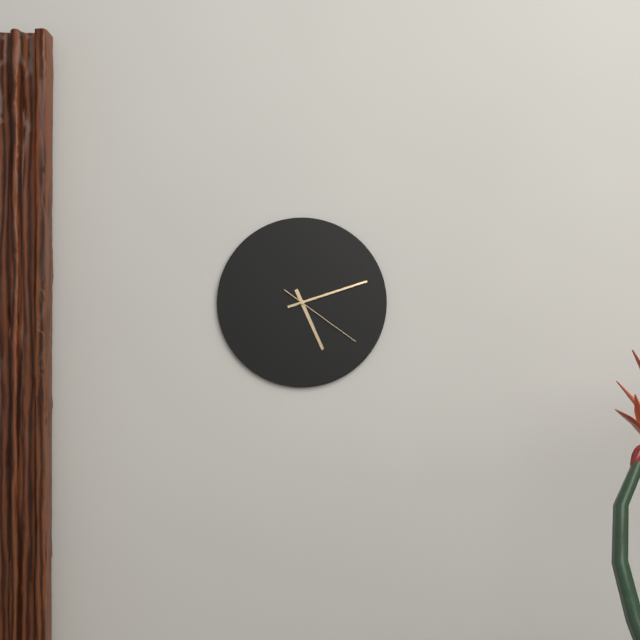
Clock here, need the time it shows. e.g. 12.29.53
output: 5.12.21
